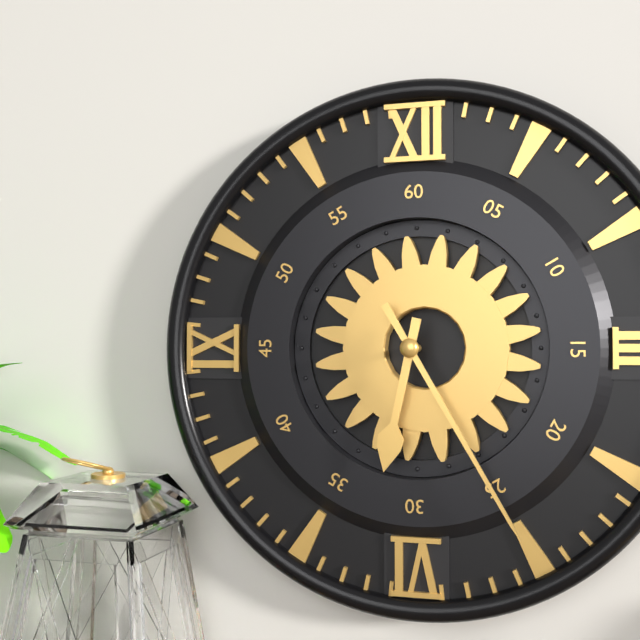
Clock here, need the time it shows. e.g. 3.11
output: 6.25
